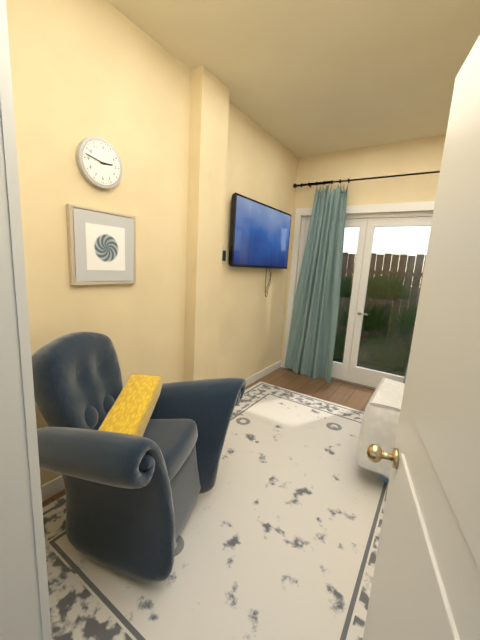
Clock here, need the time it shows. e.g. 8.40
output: 2.47
